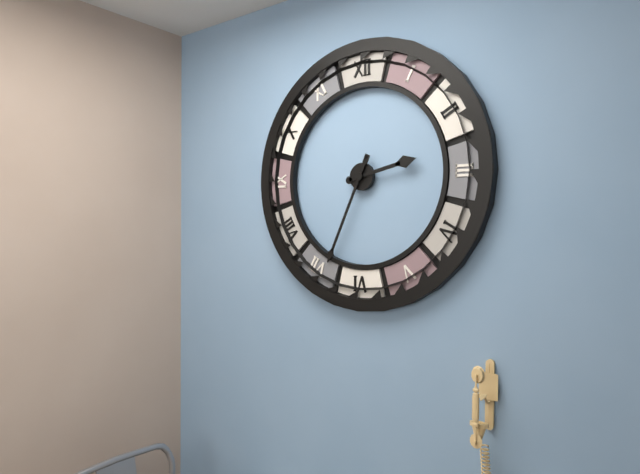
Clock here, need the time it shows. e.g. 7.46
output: 2.34
